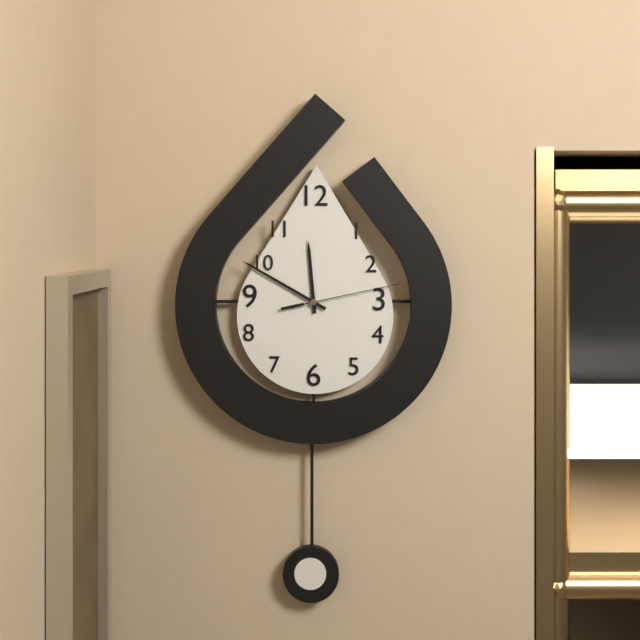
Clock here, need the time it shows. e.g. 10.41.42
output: 11.50.13
